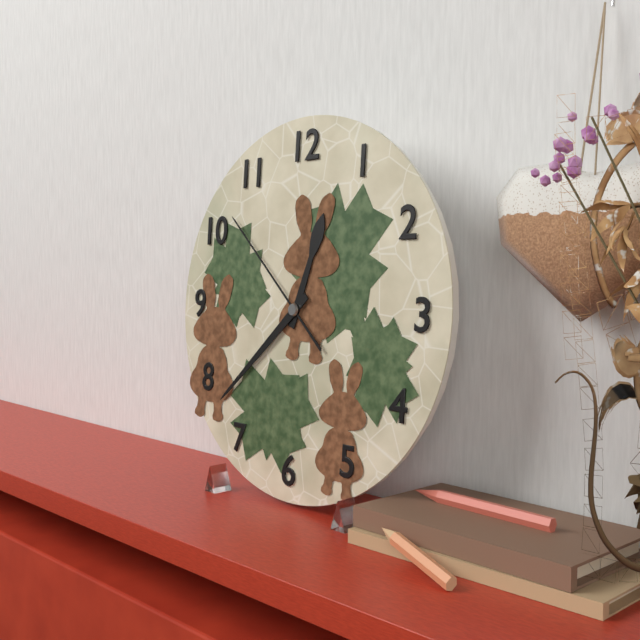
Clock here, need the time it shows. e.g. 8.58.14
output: 12.38.52
